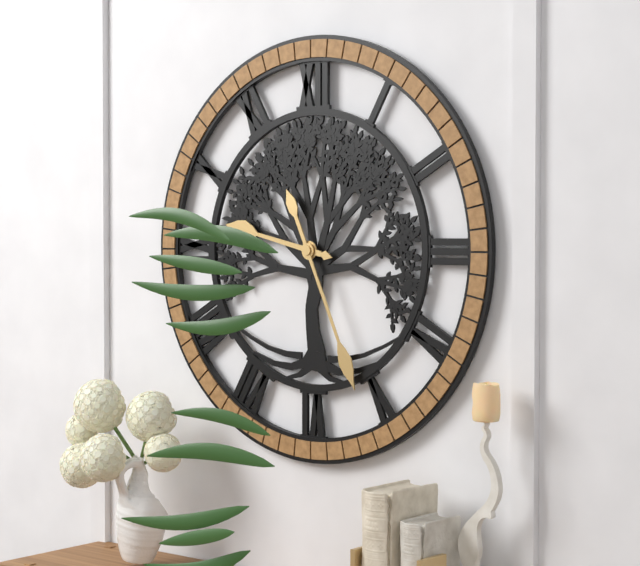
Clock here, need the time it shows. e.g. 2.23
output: 9.26
